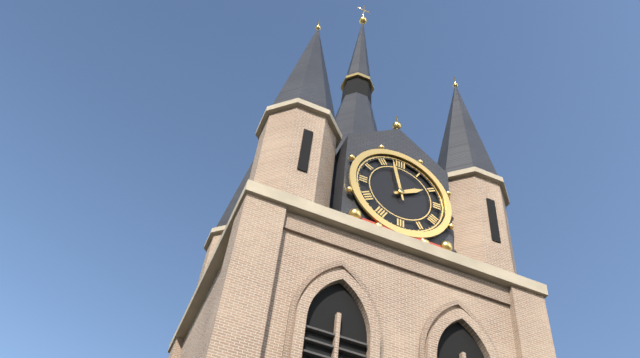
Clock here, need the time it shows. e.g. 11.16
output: 1.58
